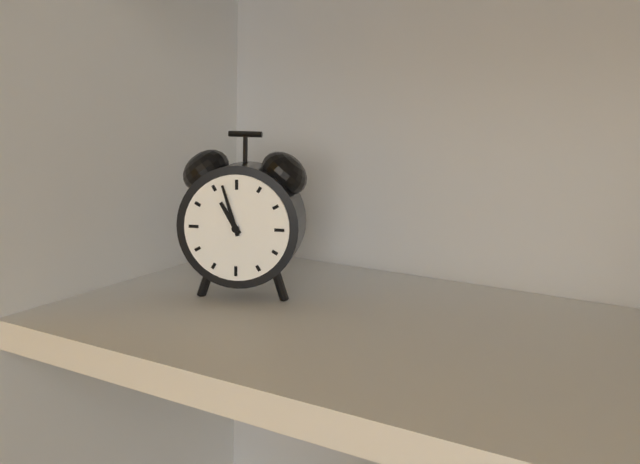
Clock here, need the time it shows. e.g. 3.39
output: 10.57
